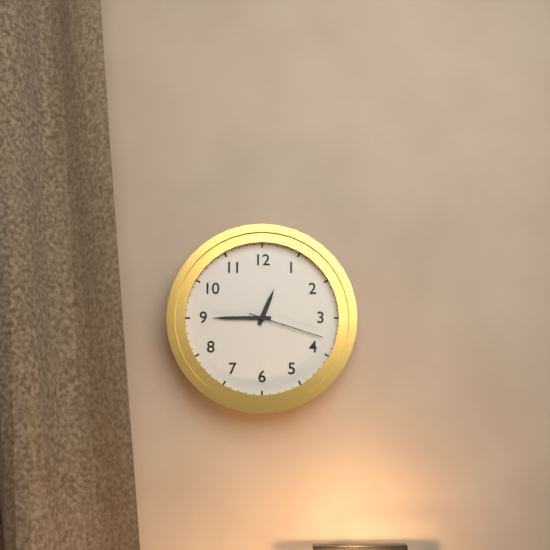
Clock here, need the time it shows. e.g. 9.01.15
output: 12.45.18
